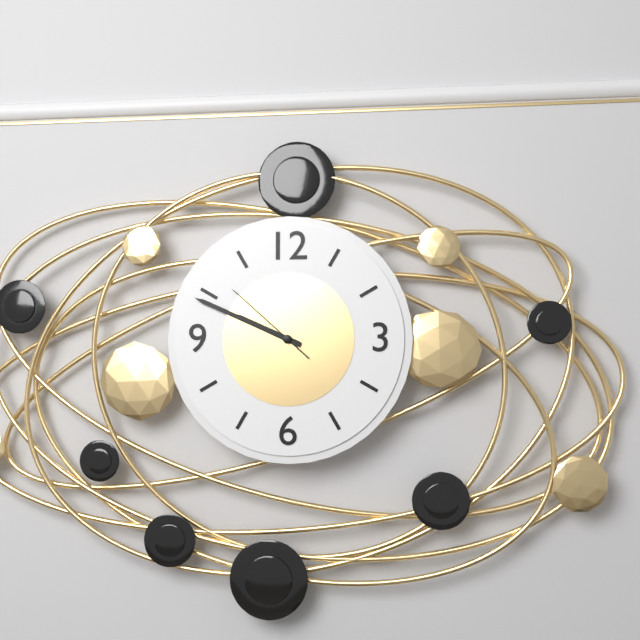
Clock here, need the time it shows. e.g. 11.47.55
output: 9.49.52
